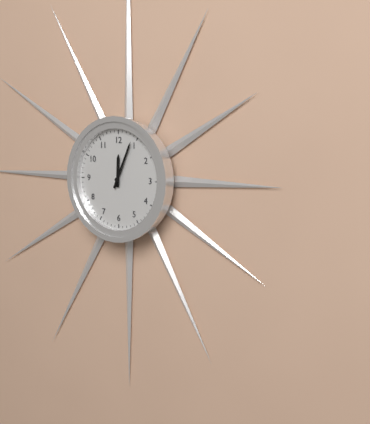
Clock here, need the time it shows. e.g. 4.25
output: 12.04
